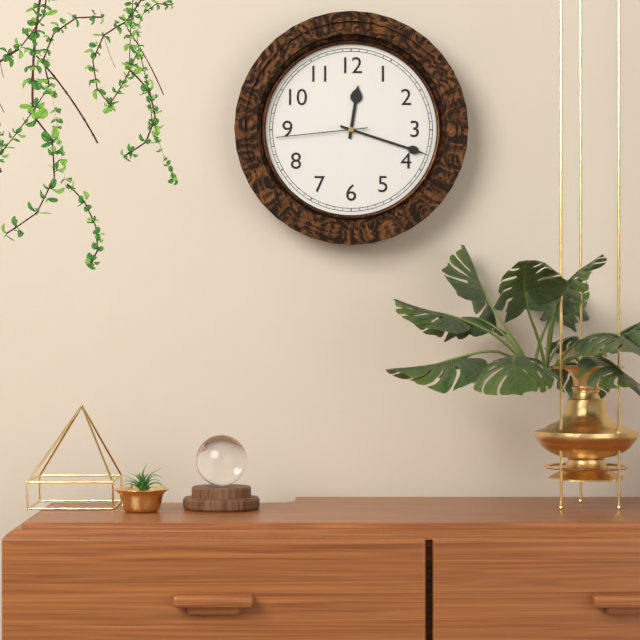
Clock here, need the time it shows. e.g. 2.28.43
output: 12.18.44
